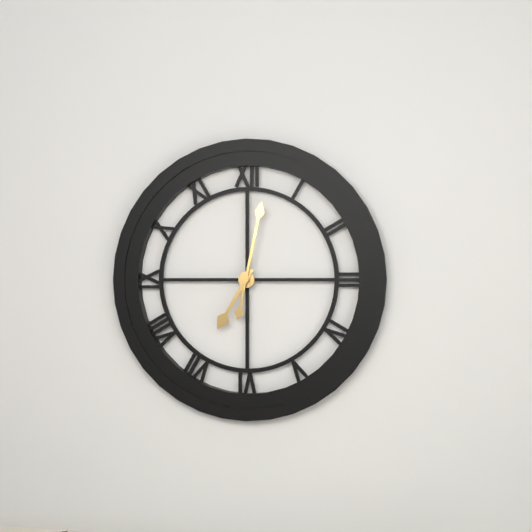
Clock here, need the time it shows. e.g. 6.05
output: 7.02
